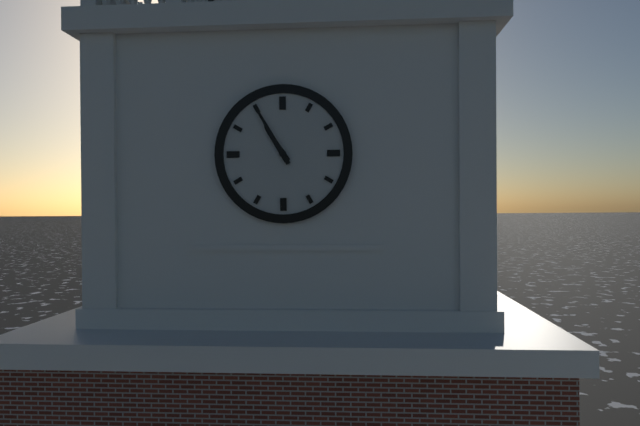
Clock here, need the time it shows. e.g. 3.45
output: 10.55
